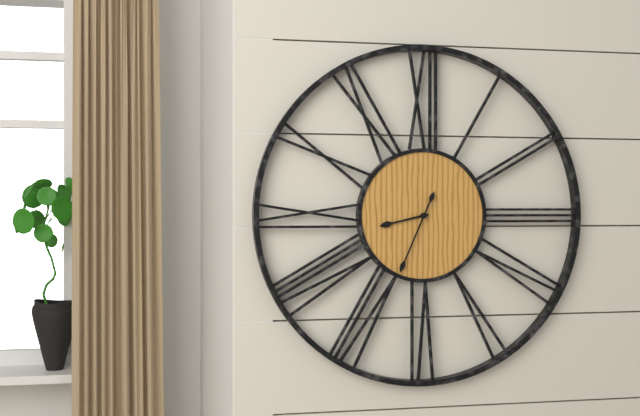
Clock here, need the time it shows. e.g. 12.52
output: 8.34
